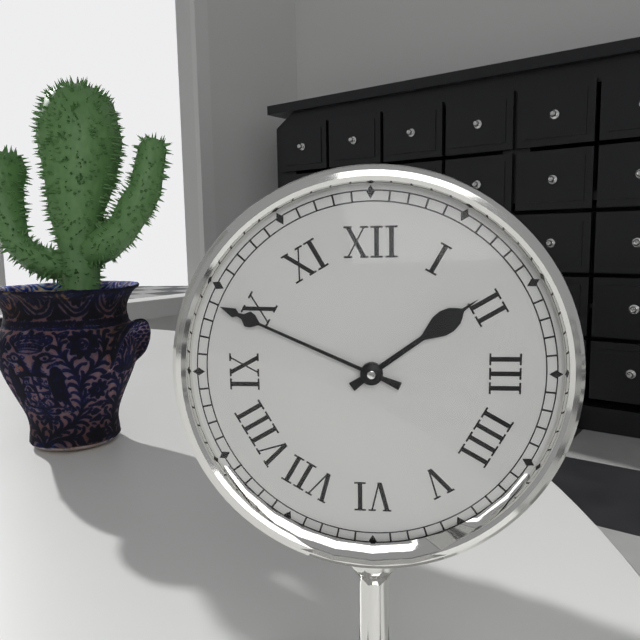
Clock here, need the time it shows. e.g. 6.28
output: 1.49
